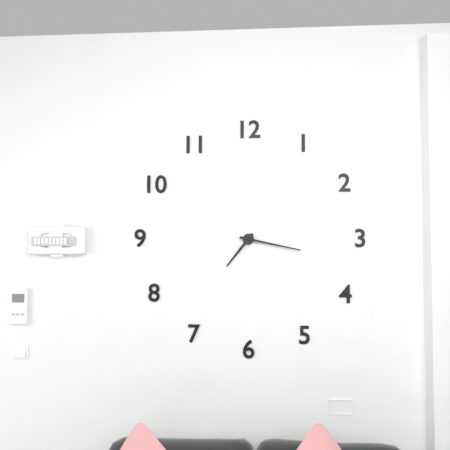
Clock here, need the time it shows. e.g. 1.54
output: 7.17
